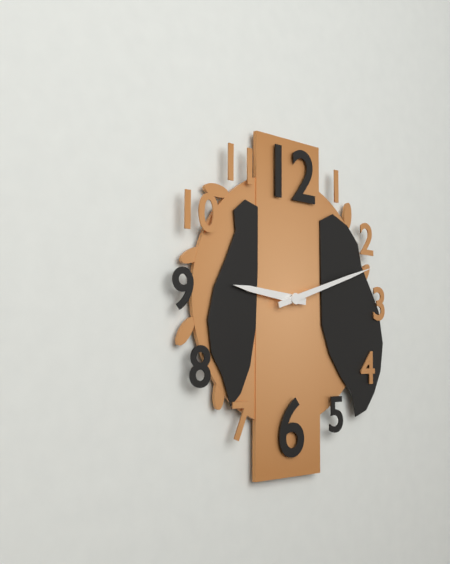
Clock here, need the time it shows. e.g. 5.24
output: 9.12
